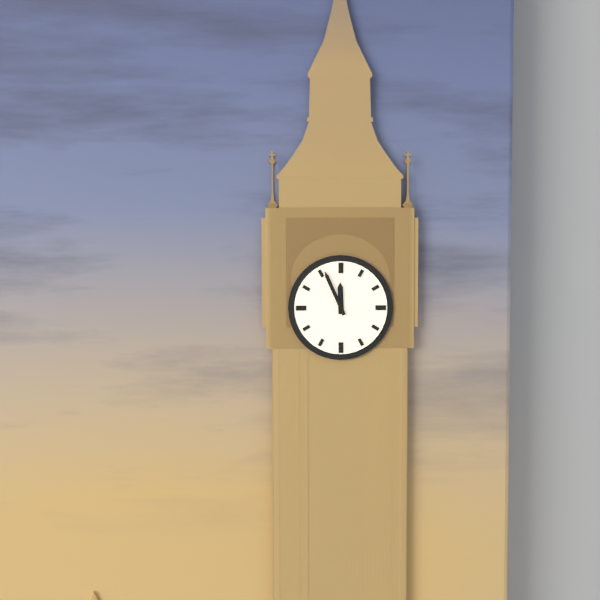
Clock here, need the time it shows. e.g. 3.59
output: 11.56
